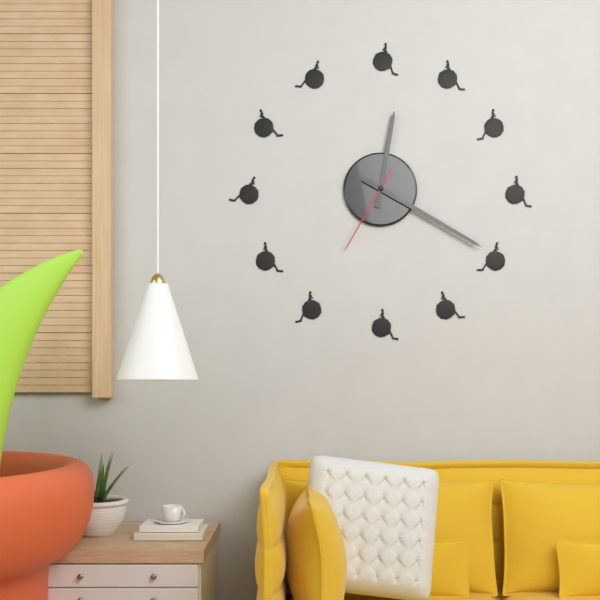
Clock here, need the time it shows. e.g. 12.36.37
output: 12.20.35
